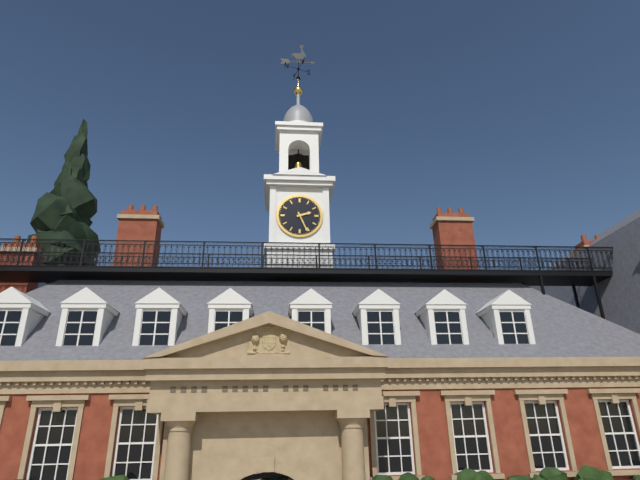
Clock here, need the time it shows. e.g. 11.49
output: 2.26
